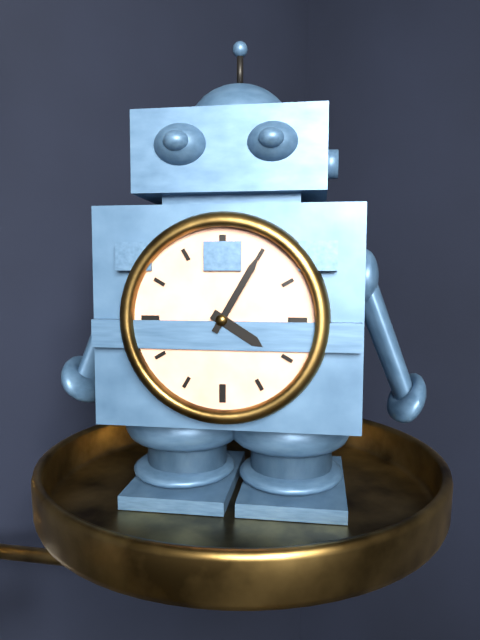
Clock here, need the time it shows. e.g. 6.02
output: 4.05
